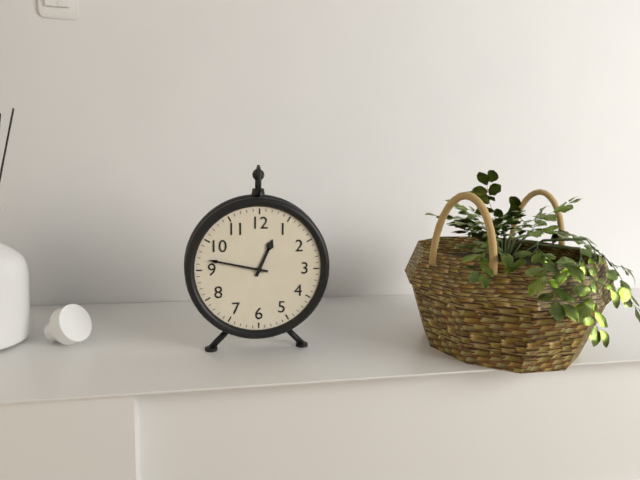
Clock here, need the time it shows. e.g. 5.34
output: 12.47
